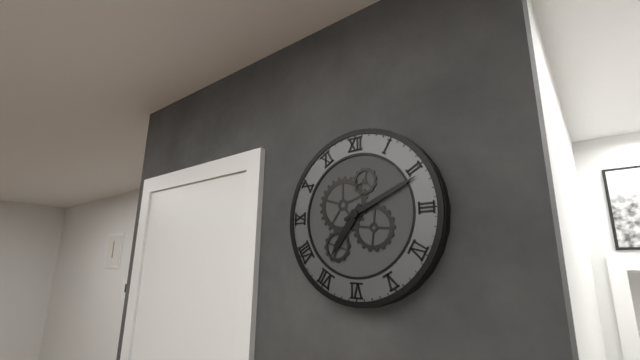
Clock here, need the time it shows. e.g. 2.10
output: 7.11
